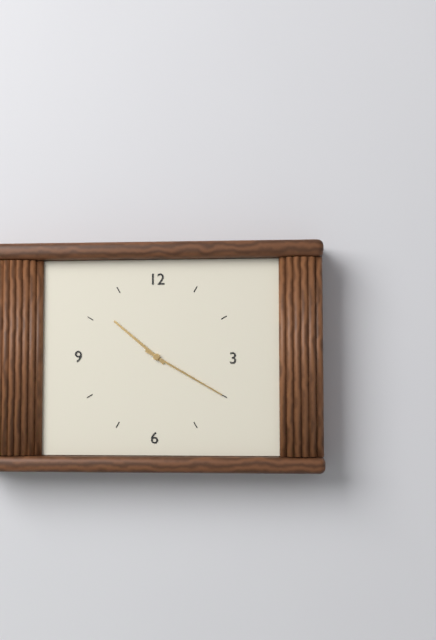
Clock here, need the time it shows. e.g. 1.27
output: 10.20
